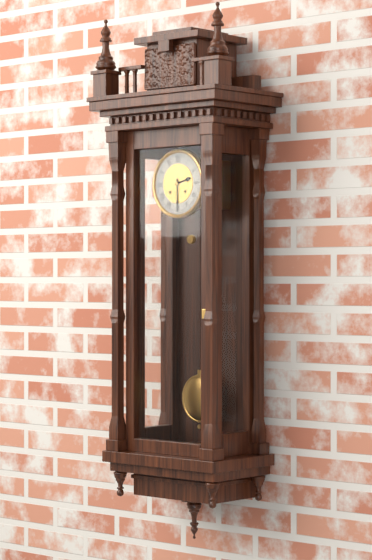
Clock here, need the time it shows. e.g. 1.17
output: 2.30
